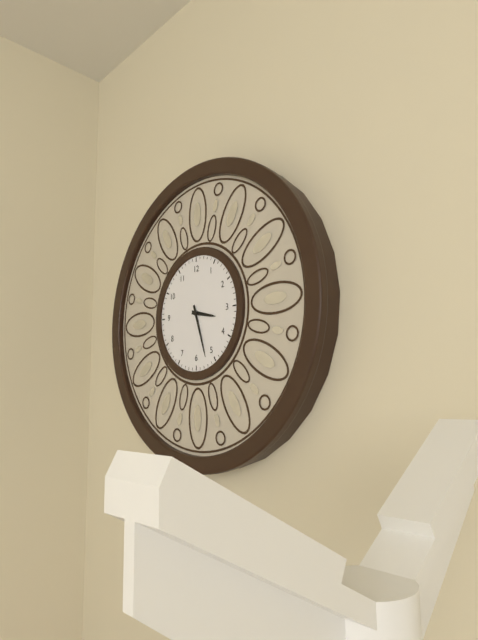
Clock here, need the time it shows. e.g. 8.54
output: 3.27
